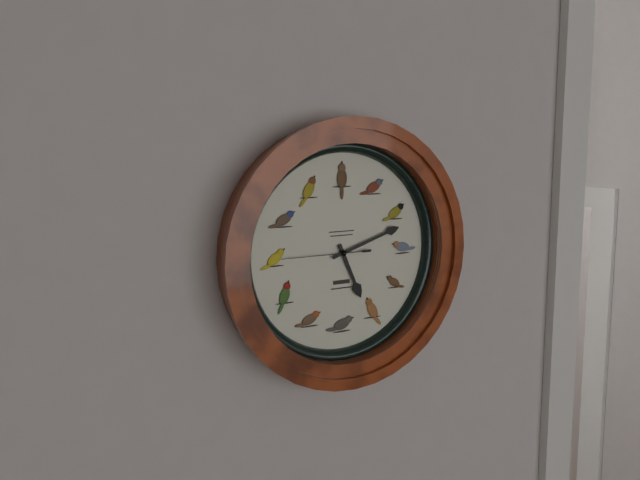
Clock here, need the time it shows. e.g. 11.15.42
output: 5.12.45
